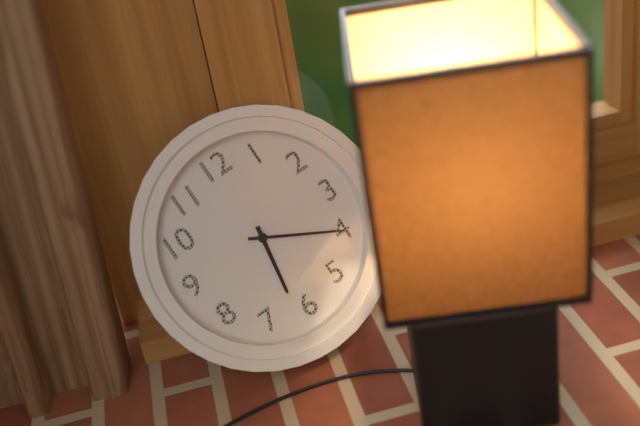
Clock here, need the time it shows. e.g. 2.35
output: 6.20
